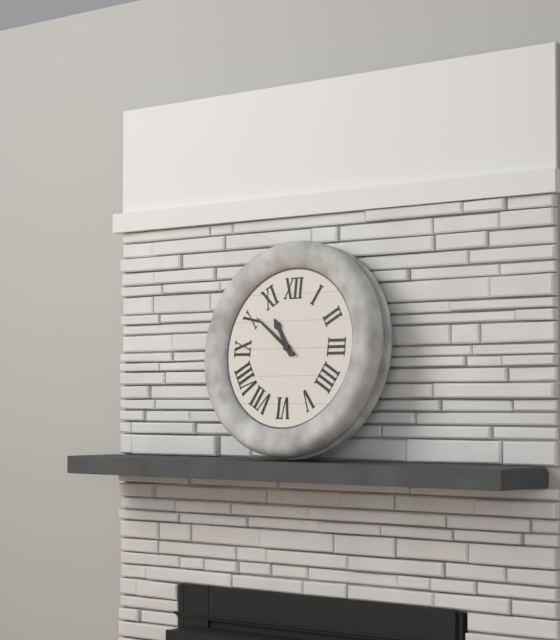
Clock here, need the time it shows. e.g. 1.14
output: 10.51
